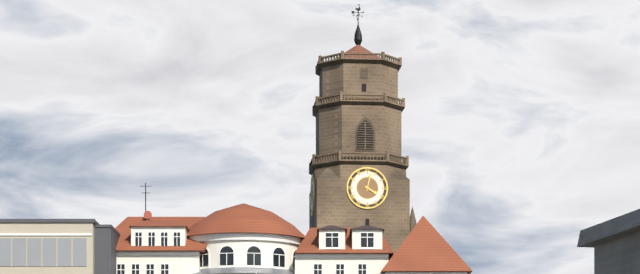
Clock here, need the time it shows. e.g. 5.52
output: 4.02
